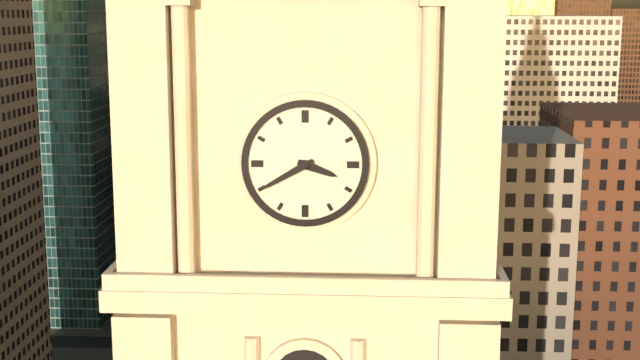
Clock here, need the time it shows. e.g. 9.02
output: 3.40
